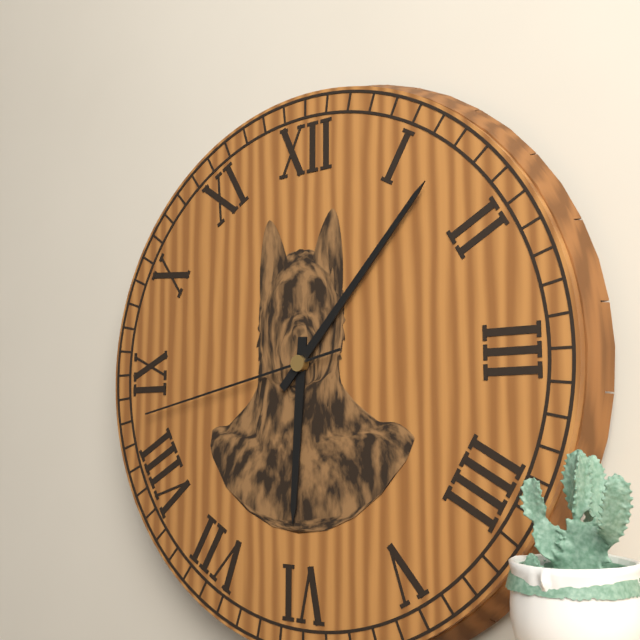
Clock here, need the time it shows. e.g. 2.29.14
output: 6.07.43
